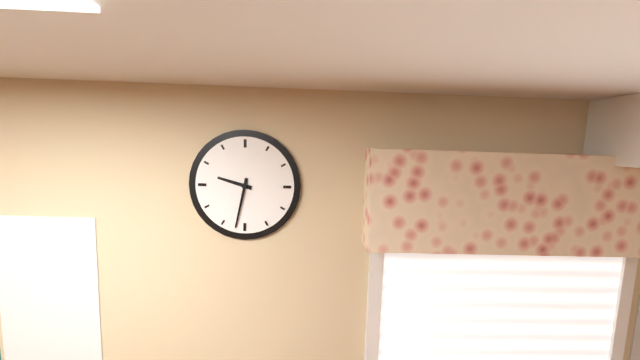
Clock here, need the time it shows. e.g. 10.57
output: 9.32
